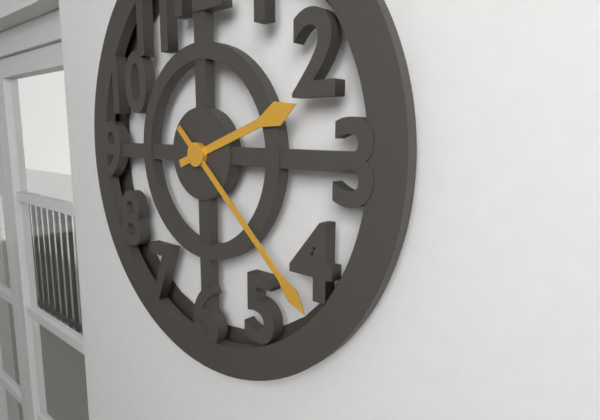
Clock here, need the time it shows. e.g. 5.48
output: 2.22
